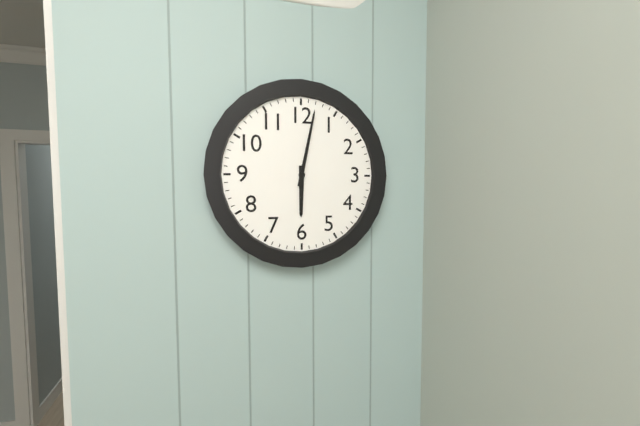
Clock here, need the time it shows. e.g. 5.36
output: 6.02
